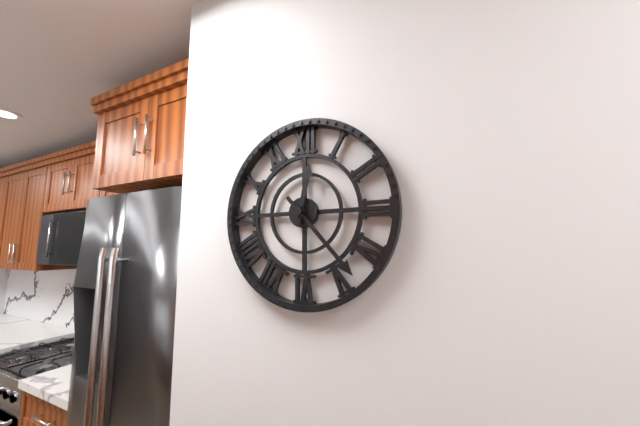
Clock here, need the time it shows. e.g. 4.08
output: 12.23
